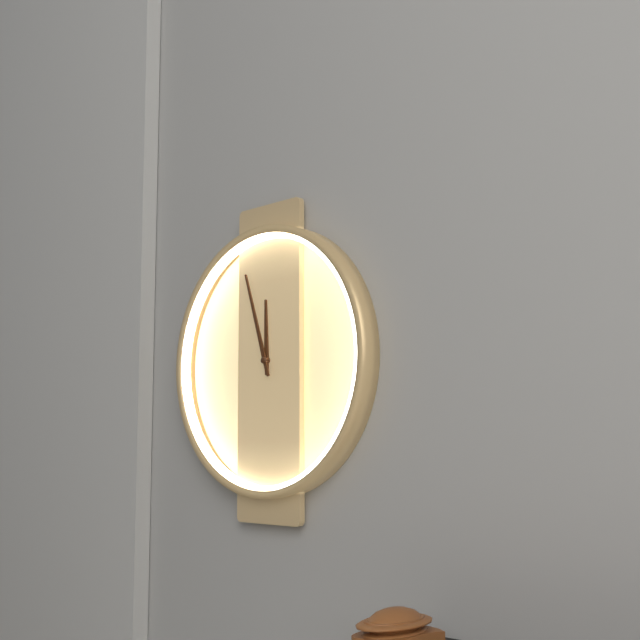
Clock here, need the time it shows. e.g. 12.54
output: 11.57
